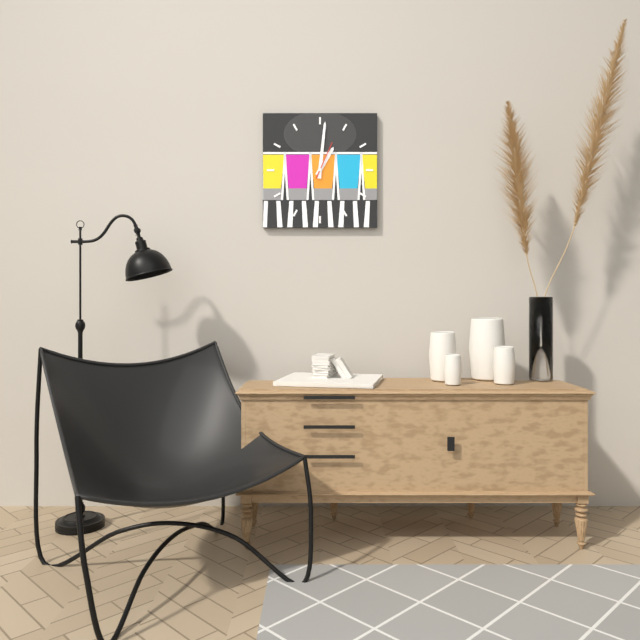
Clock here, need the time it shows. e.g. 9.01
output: 1.01
